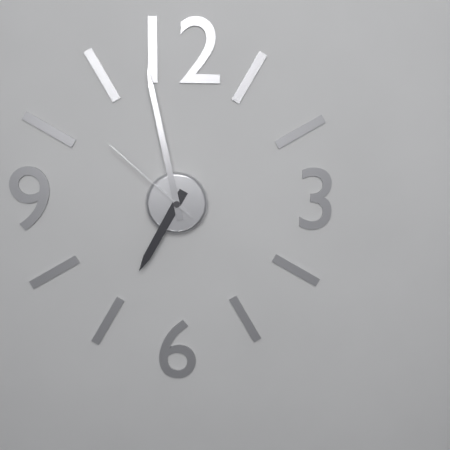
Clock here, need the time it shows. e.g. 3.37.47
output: 6.58.52
